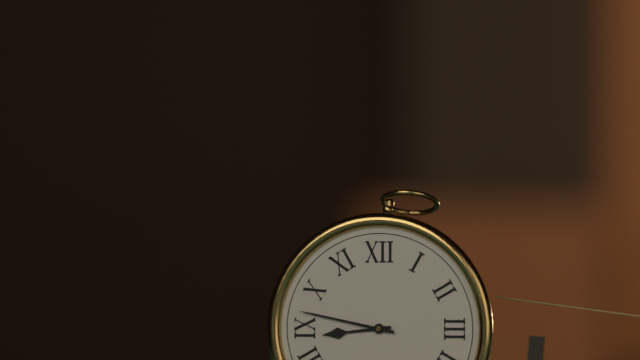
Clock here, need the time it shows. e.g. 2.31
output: 8.47
